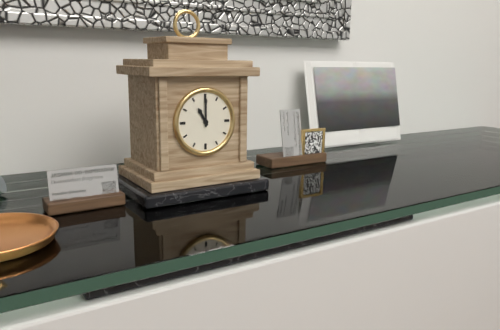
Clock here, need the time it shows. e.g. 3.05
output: 11.00
